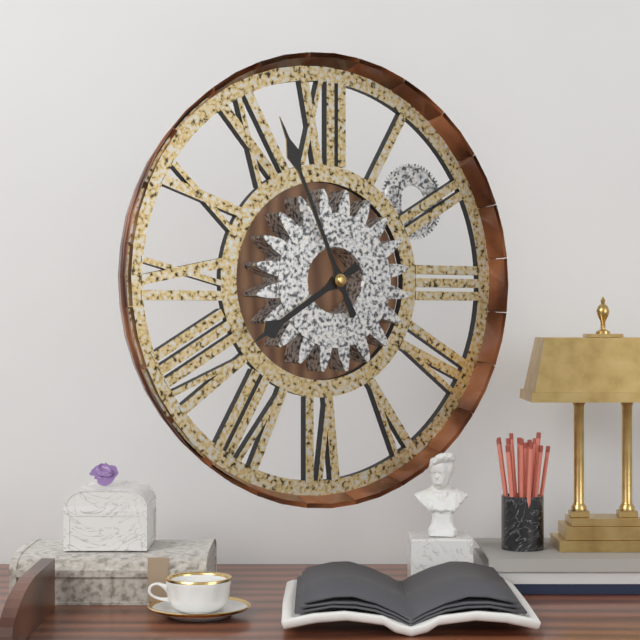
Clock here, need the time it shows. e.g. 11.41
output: 7.56
